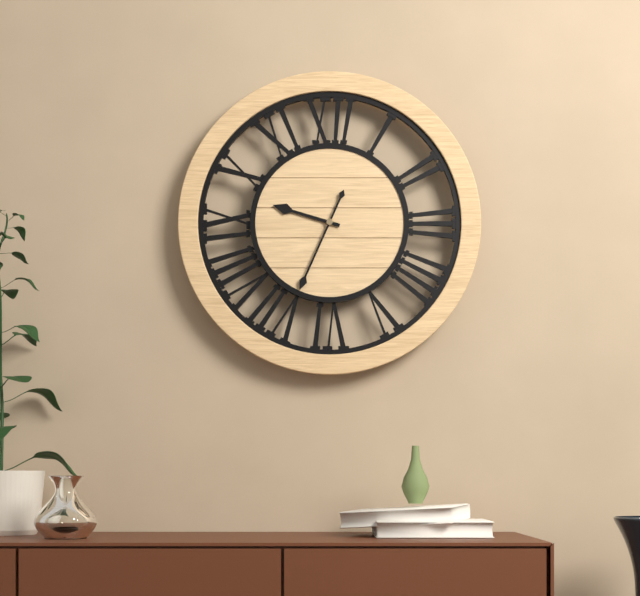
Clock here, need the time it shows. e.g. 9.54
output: 9.34
